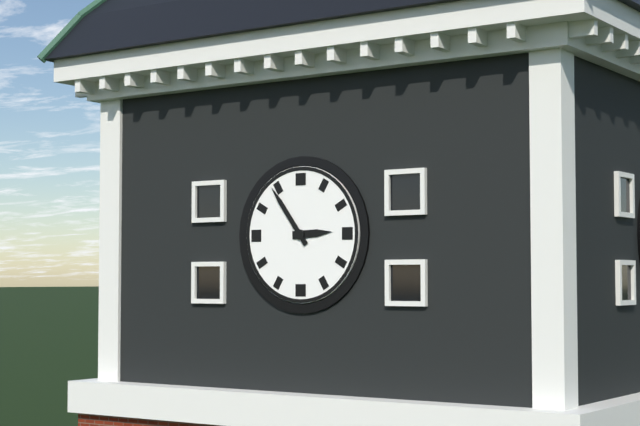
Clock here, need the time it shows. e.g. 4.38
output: 2.54
